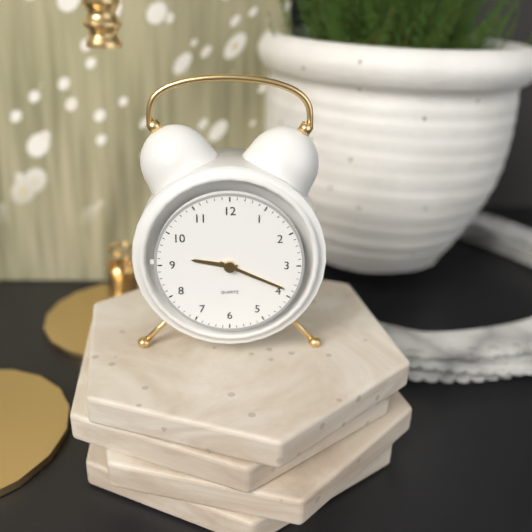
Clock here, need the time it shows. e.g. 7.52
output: 9.19
